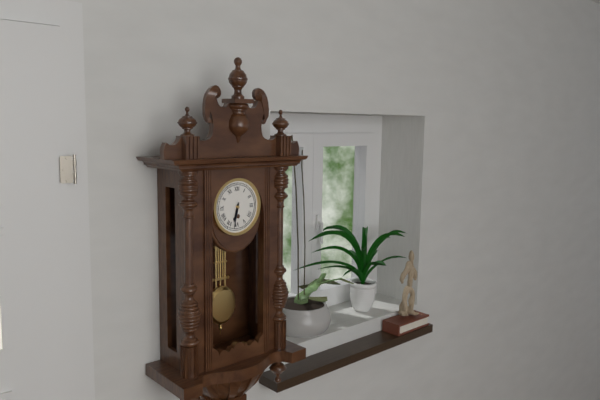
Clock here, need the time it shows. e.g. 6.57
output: 6.32
